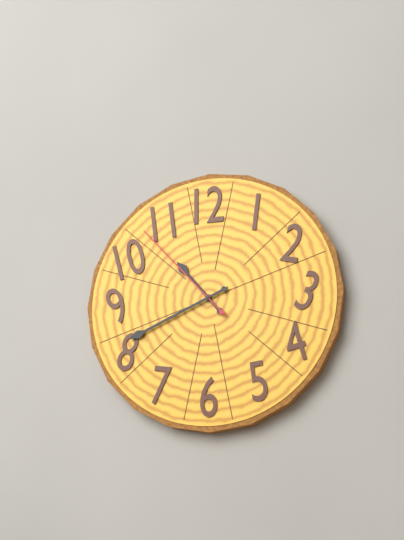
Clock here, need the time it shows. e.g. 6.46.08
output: 10.41.53
